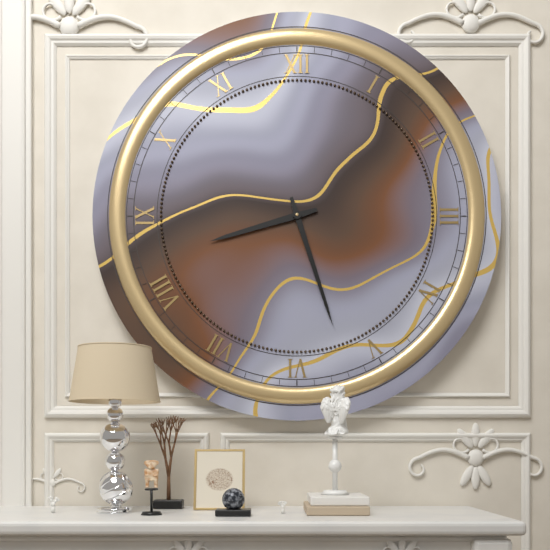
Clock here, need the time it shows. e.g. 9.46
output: 8.27
